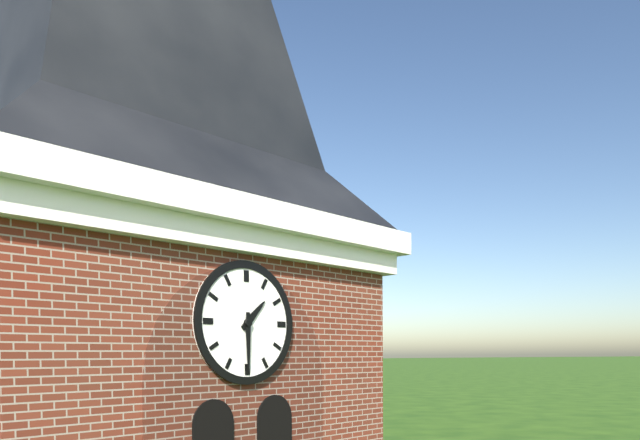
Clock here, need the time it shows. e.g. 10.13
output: 1.30
